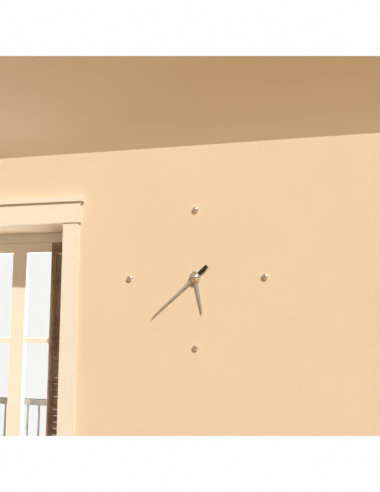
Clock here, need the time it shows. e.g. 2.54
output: 5.38
